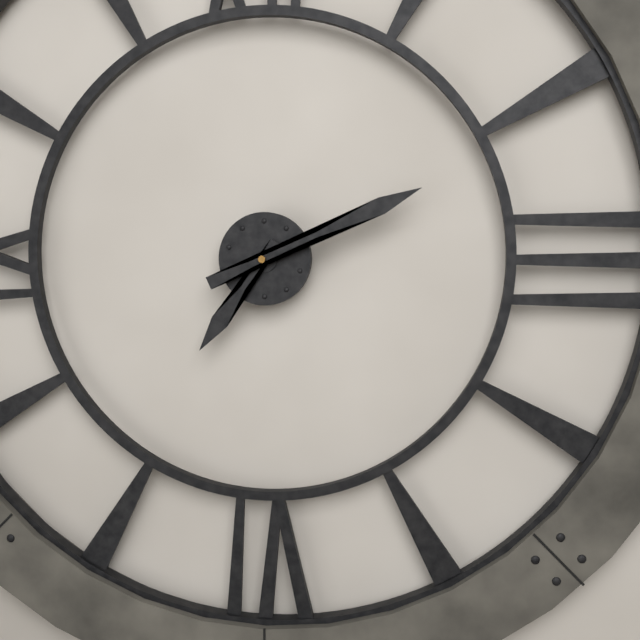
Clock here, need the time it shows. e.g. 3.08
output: 7.11
